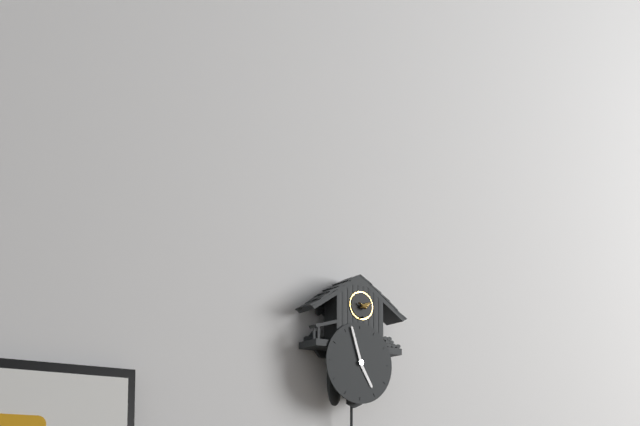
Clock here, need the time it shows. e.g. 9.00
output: 4.57
